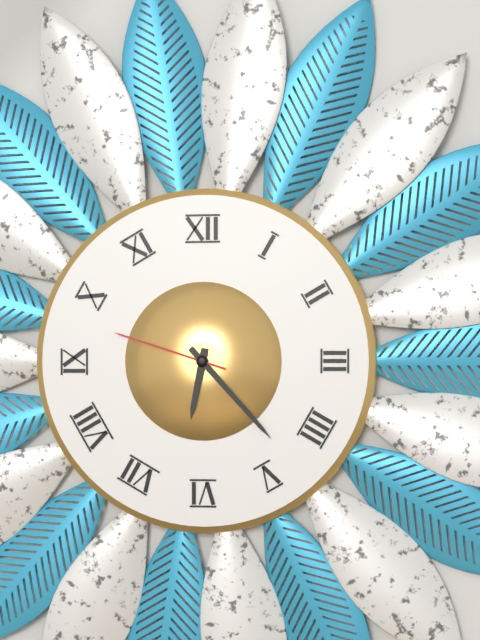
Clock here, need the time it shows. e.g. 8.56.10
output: 6.23.48
